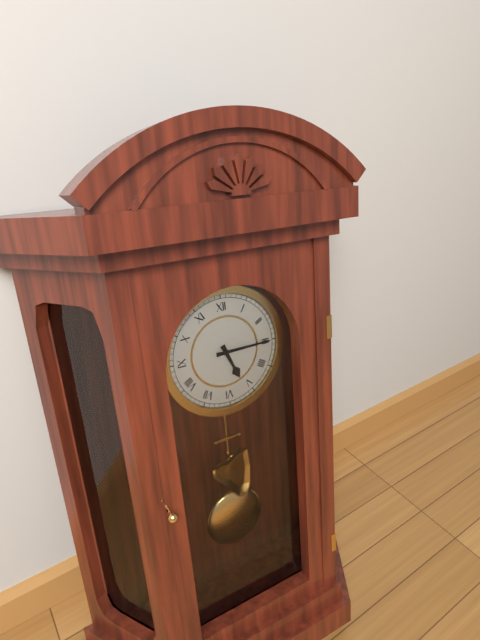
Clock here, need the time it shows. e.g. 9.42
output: 5.15
